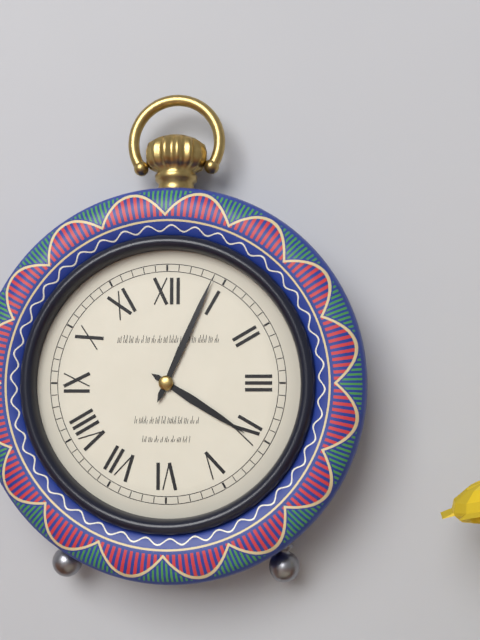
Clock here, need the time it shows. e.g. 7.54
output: 4.04
